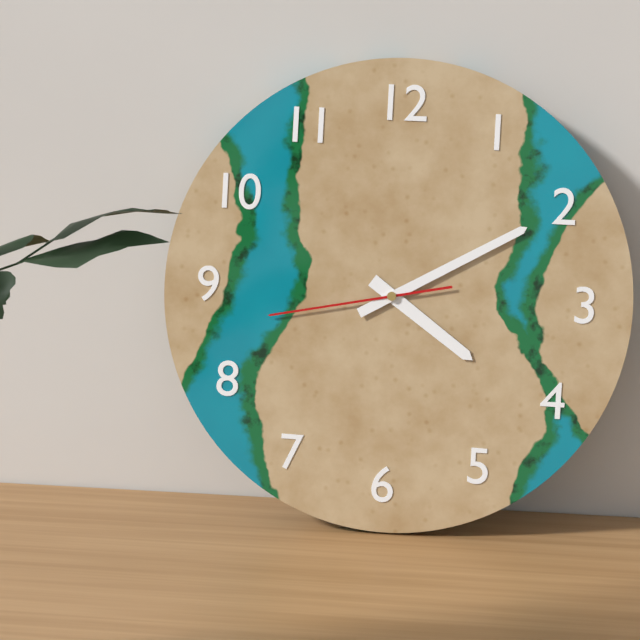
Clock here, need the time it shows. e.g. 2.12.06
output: 4.10.43
